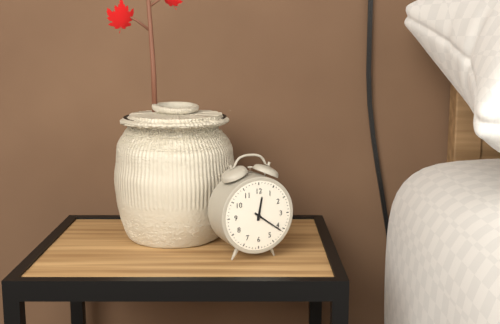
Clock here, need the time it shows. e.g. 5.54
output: 12.21
